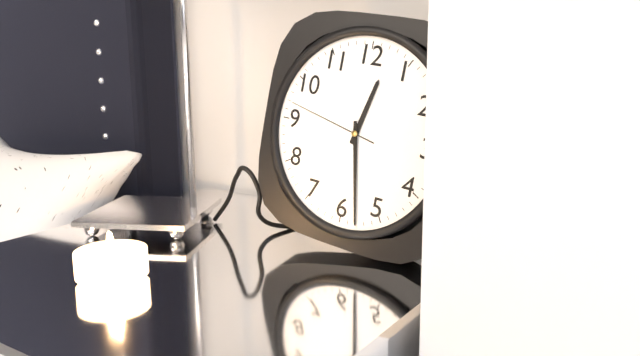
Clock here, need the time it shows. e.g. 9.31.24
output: 12.28.47
